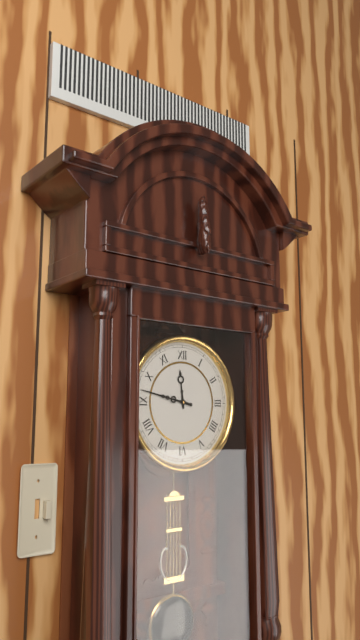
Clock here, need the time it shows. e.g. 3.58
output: 11.47
